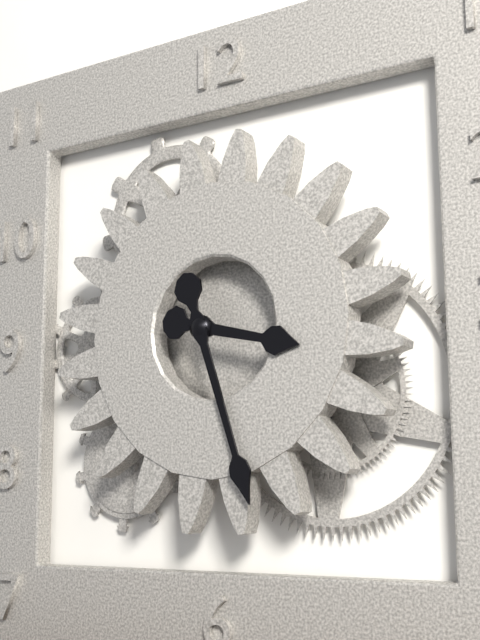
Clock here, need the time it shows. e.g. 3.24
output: 3.27
